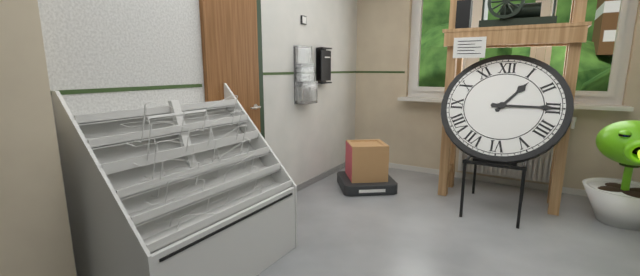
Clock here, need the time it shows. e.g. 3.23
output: 1.15
